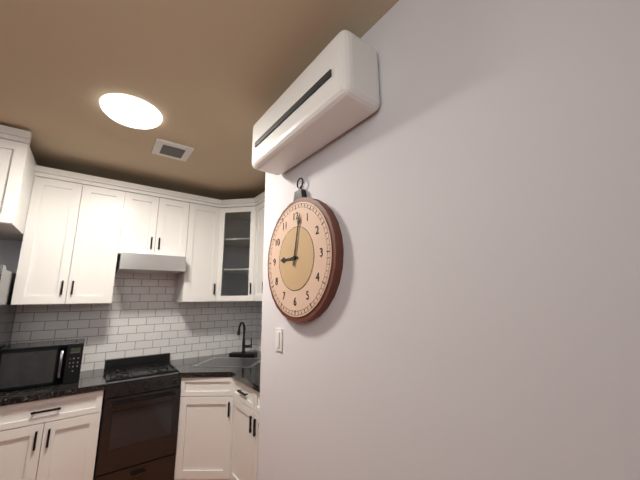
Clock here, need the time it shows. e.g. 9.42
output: 9.02
